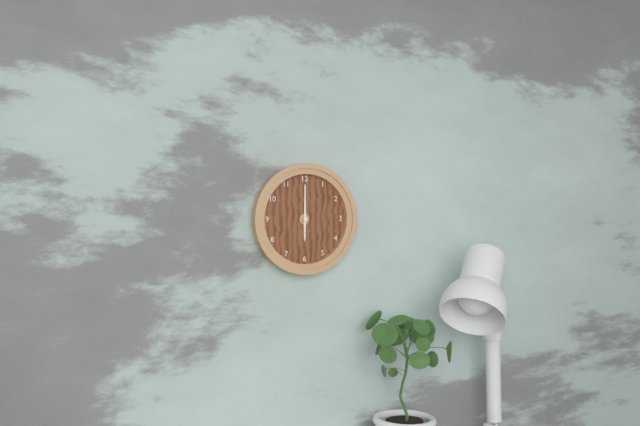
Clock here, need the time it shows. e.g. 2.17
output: 6.00
